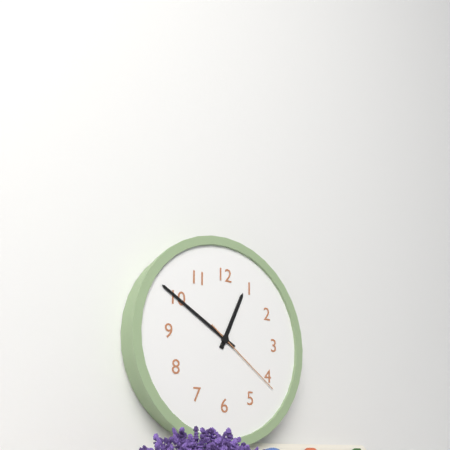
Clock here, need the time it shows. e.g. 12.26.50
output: 12.50.21
